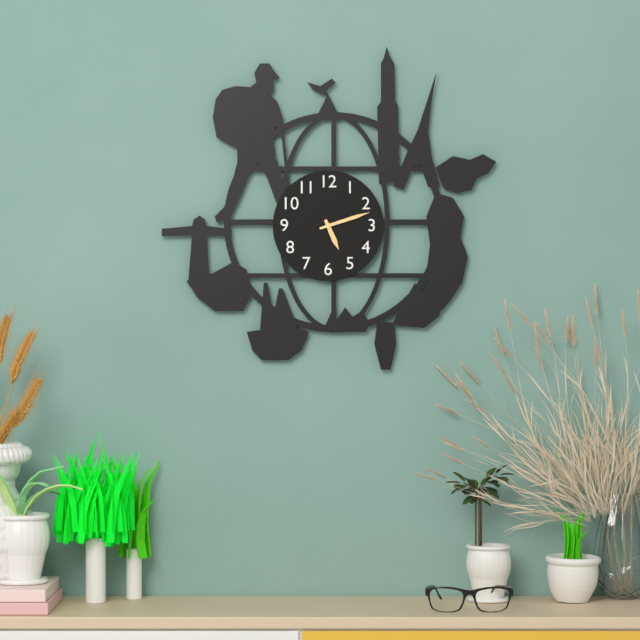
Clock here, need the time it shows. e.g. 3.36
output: 5.12
